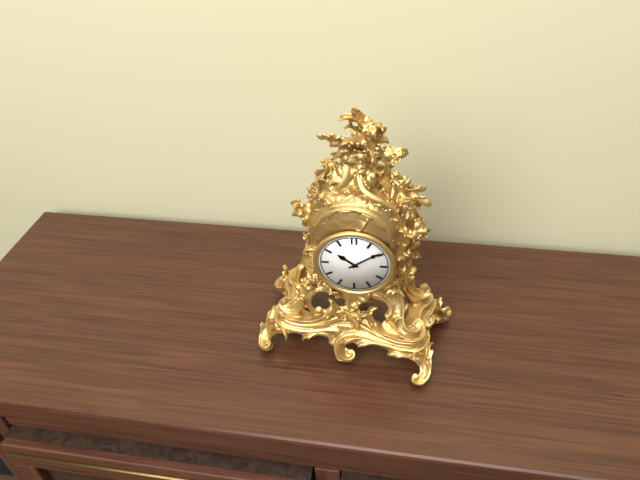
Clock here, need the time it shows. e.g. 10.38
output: 10.09
